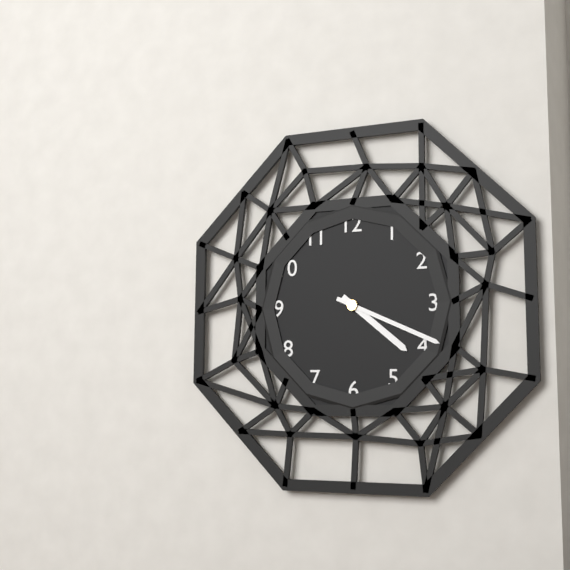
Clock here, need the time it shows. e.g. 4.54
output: 4.19
